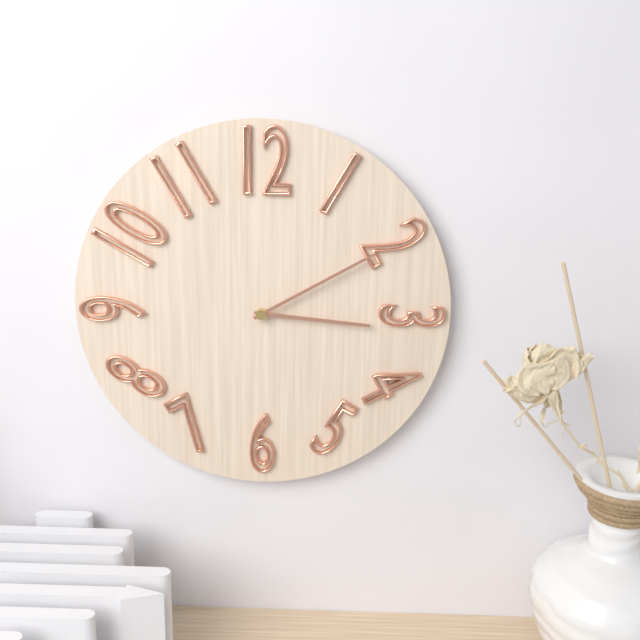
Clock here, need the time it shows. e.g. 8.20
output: 3.10
